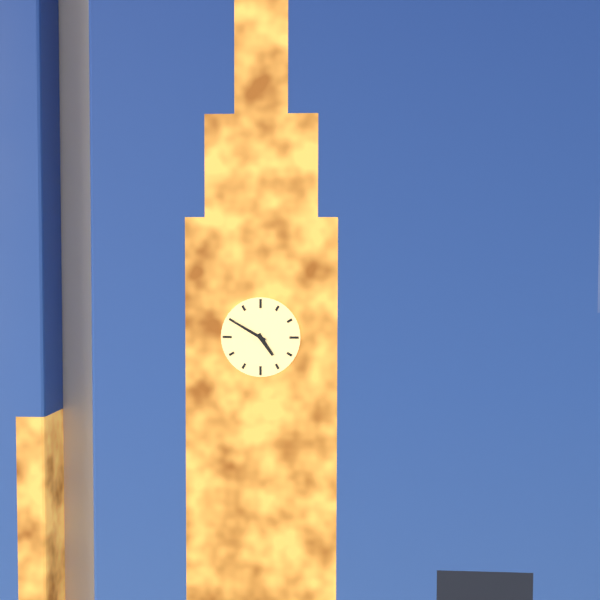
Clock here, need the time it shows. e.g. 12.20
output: 4.50
